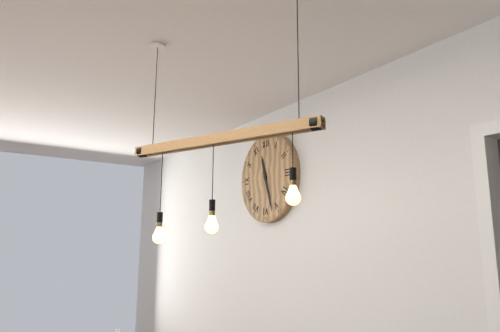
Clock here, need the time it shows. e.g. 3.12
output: 11.27
